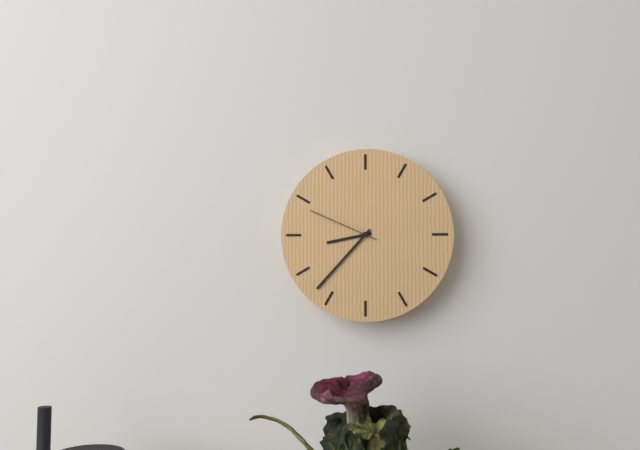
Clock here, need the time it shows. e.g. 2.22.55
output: 8.37.49
